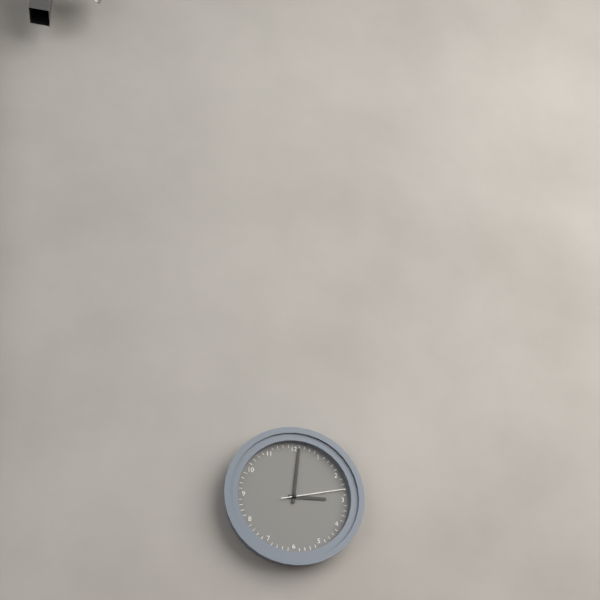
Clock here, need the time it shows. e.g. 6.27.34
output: 3.01.13
